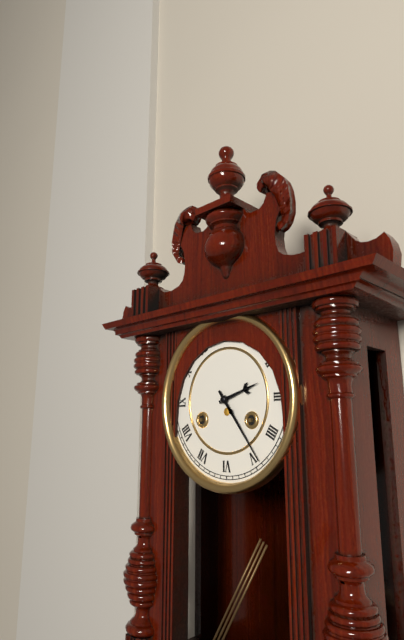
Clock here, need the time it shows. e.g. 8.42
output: 2.24
